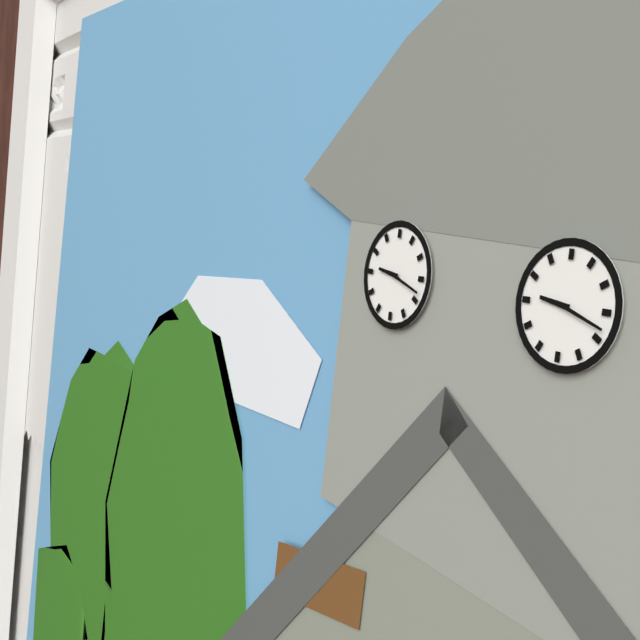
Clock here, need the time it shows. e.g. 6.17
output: 9.18
